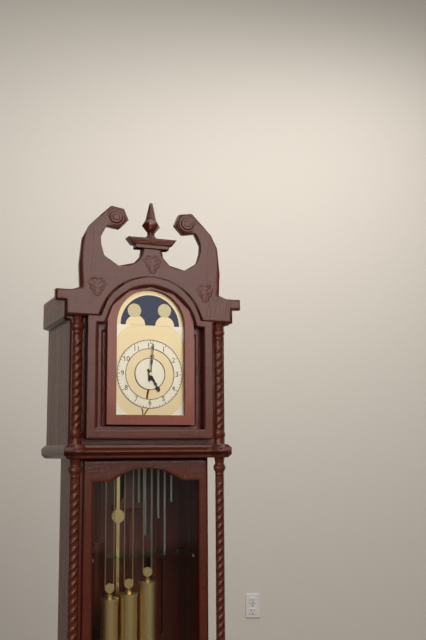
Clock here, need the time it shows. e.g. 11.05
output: 5.01
